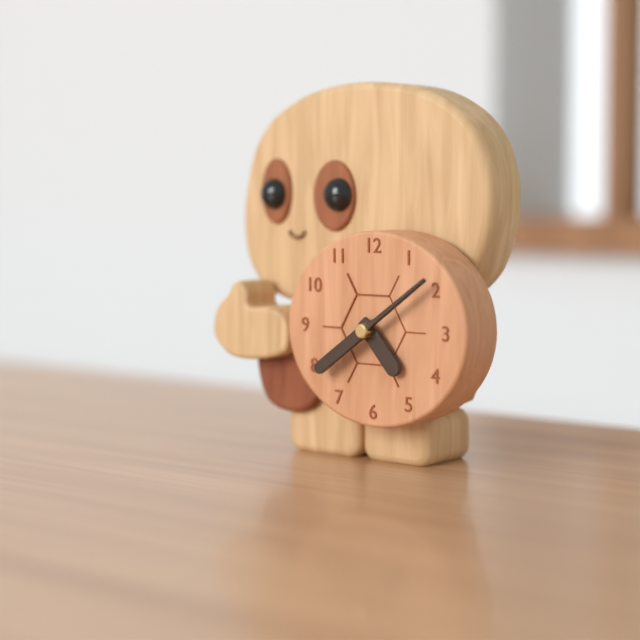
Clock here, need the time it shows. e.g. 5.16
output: 4.39
